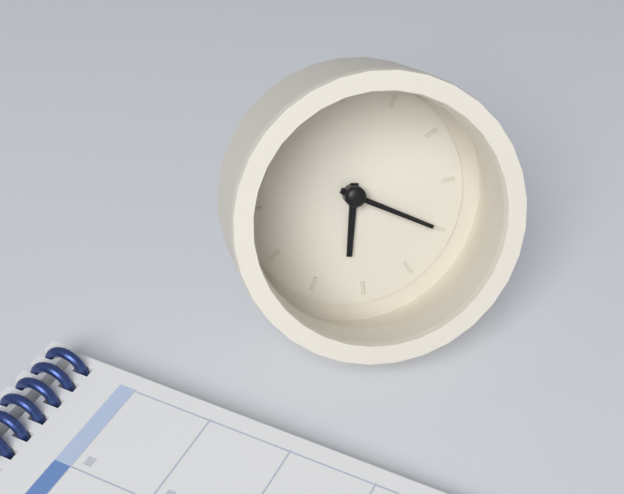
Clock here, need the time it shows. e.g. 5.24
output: 6.20
